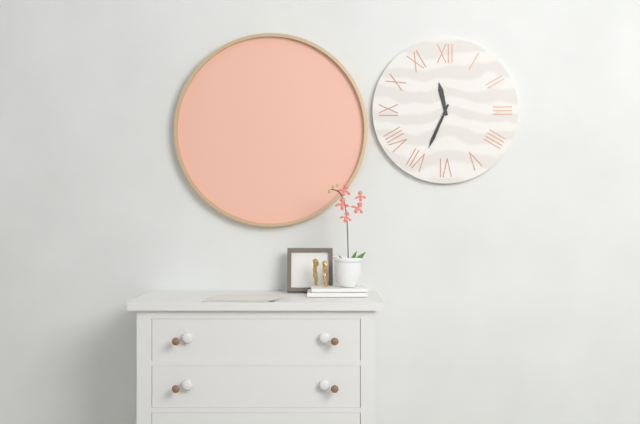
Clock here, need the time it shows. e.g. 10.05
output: 11.34
